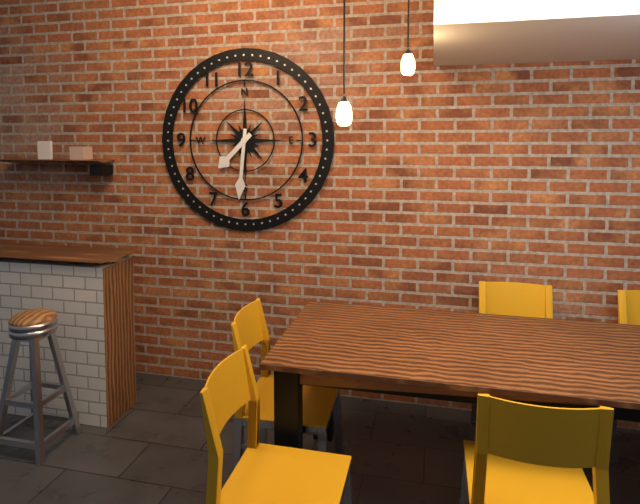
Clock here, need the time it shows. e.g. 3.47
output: 7.31
